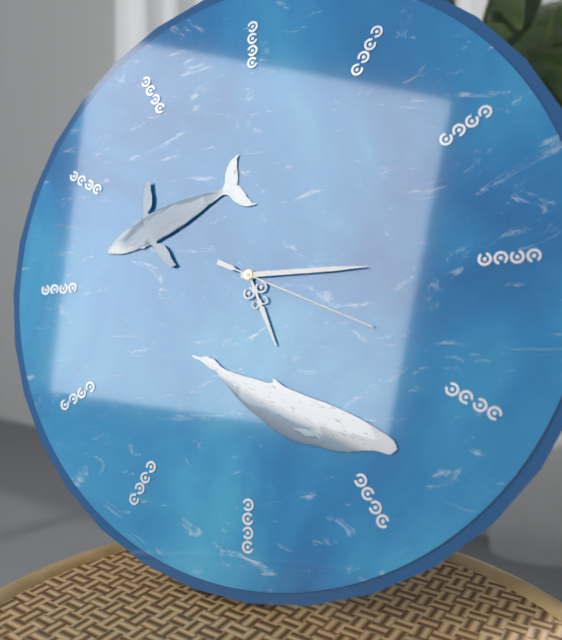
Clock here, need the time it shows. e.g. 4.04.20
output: 5.15.19
